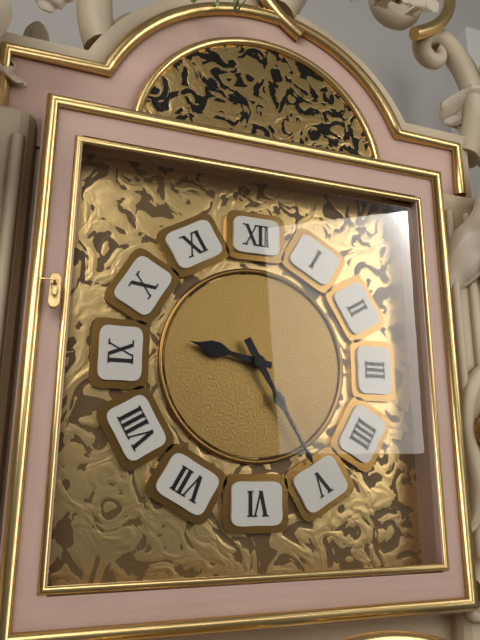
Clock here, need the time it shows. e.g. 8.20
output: 9.25
